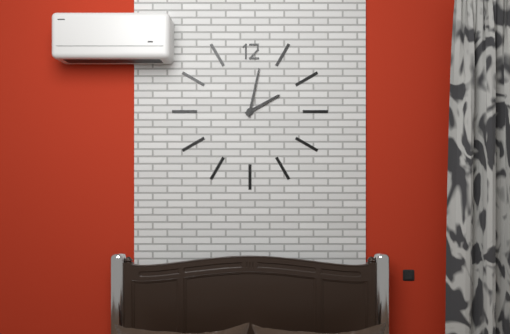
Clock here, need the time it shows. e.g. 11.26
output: 2.02
